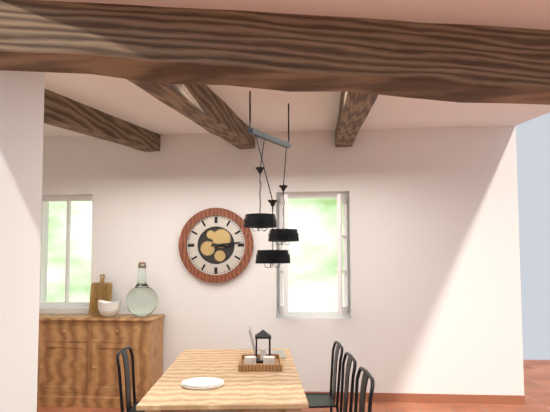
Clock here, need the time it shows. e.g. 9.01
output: 3.14
